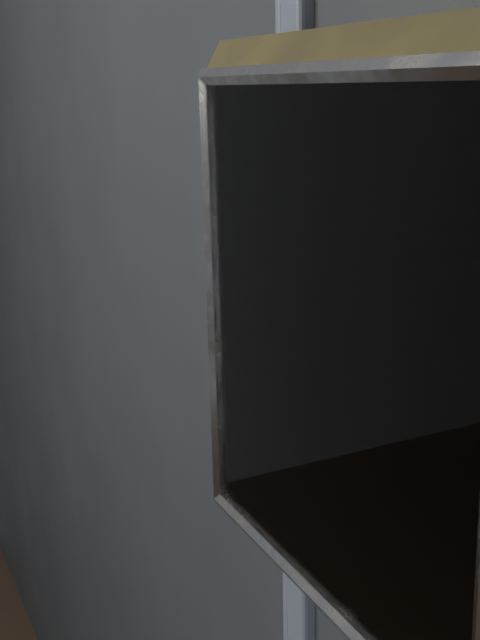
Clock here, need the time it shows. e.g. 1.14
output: 4.35
